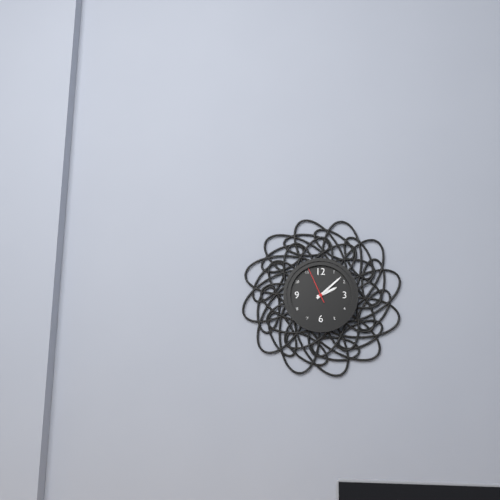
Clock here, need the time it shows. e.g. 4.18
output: 2.08
